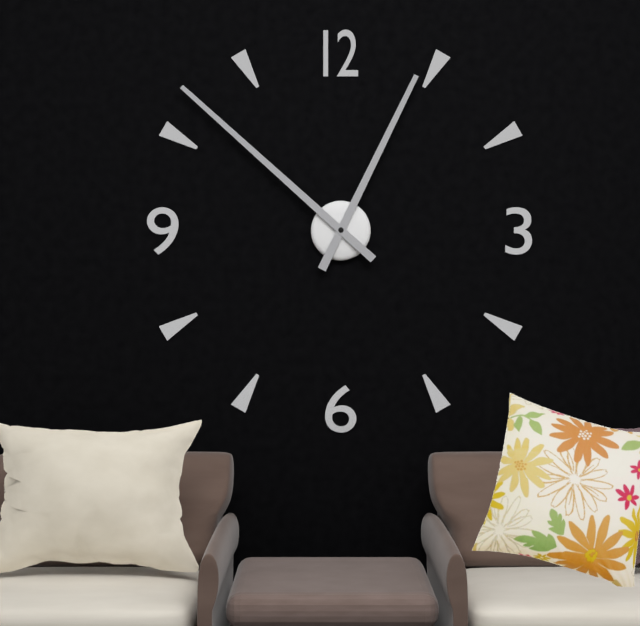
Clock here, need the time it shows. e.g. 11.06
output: 12.52
